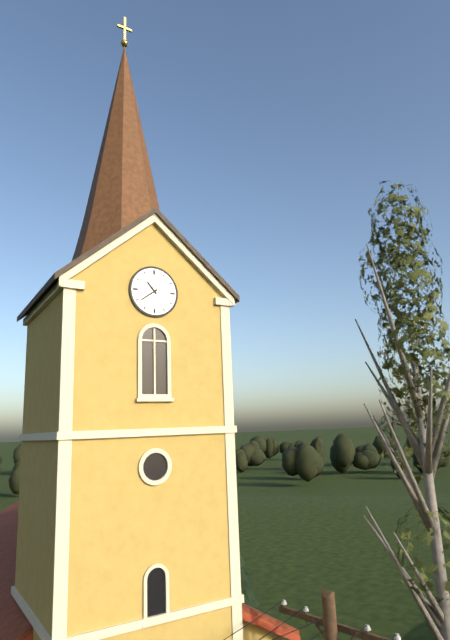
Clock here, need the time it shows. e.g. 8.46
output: 10.39
